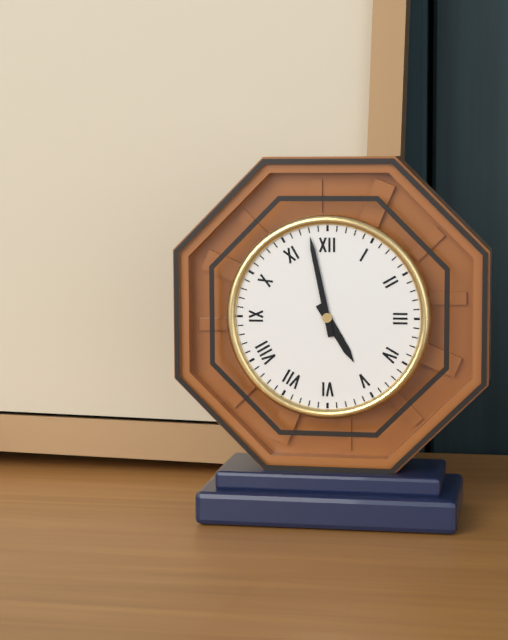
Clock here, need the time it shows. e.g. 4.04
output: 4.58
